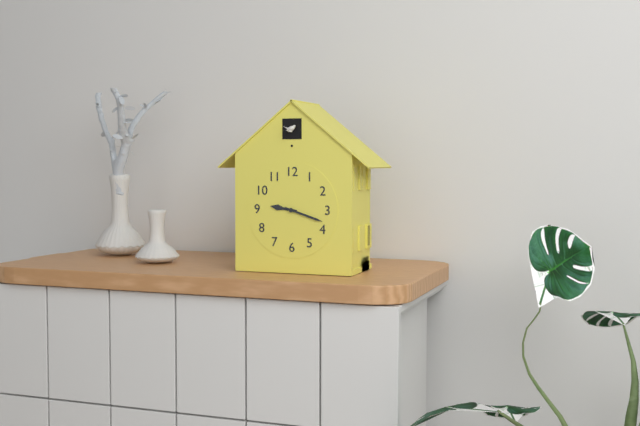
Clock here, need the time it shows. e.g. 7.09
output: 9.18
